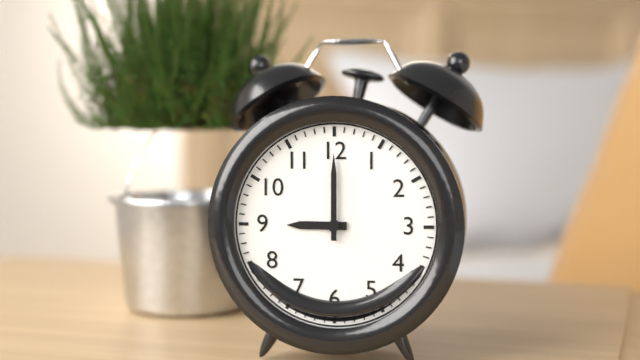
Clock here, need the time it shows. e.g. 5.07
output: 9.00
